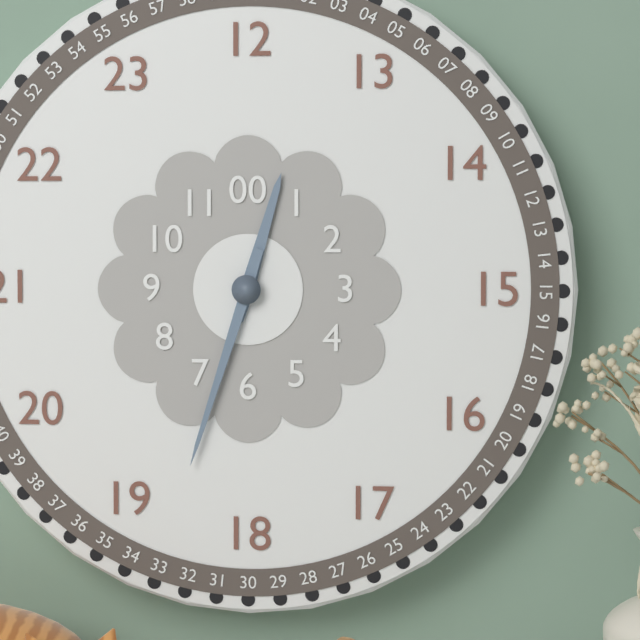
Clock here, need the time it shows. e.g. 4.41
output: 12.33
